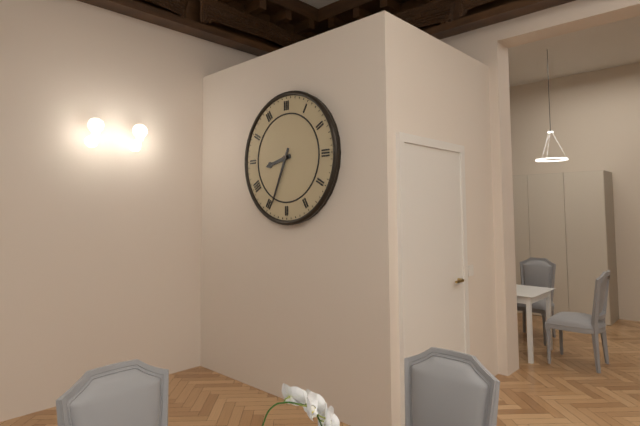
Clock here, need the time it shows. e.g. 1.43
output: 8.34
